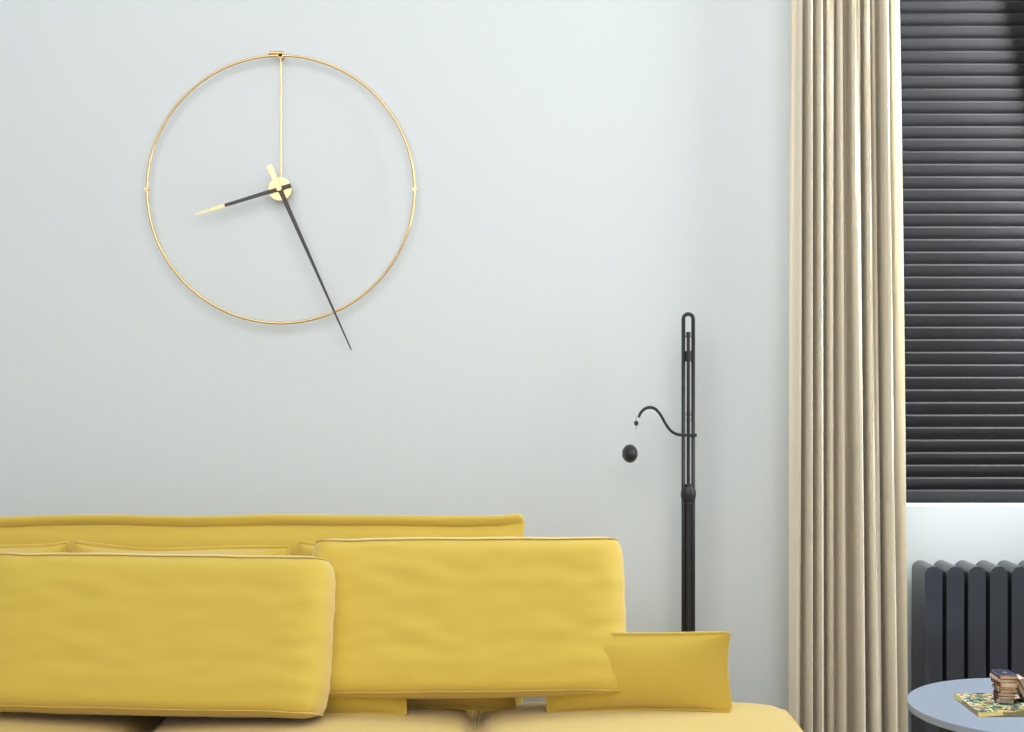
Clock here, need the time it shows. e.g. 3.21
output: 8.26
